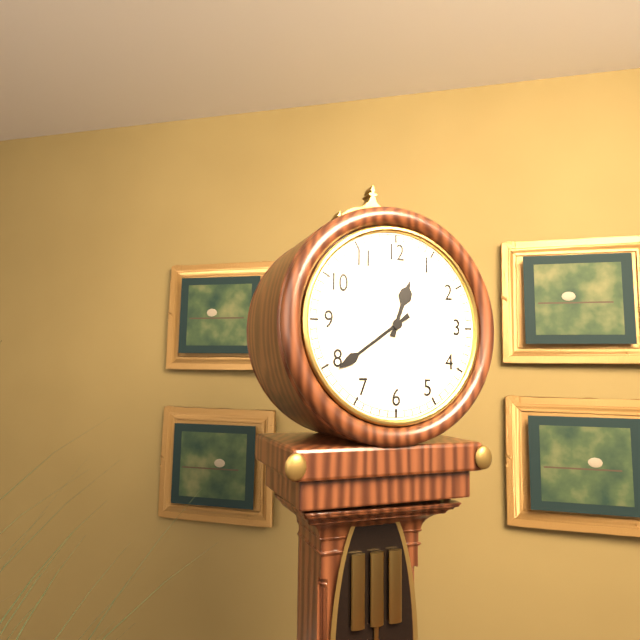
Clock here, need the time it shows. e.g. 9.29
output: 12.39
